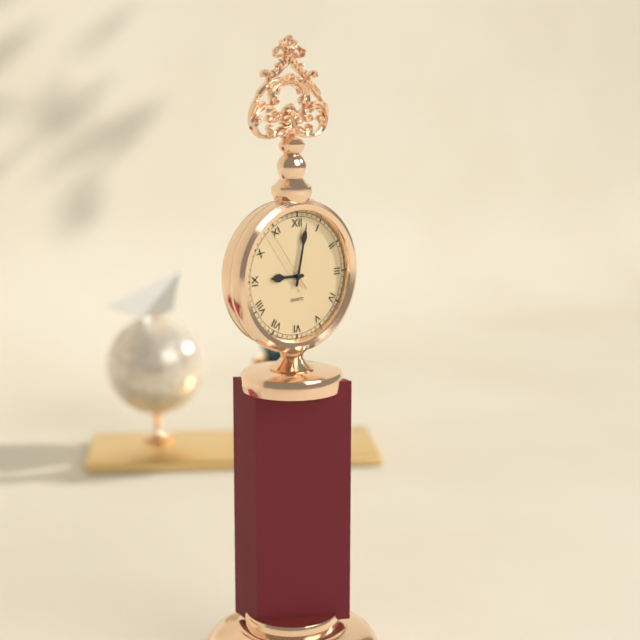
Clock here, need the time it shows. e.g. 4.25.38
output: 9.02.54
